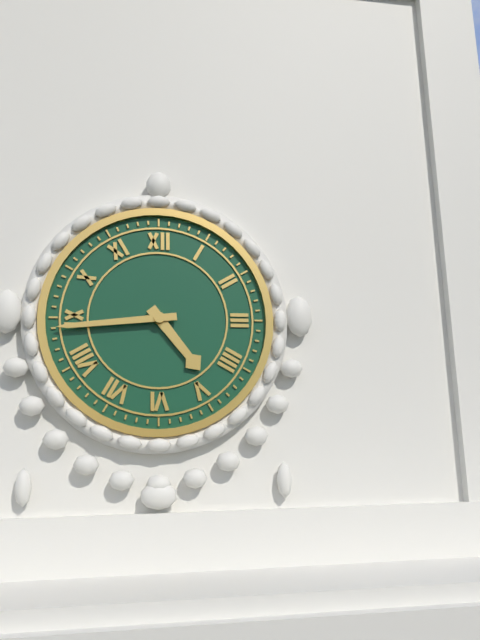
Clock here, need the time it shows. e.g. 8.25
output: 4.44
